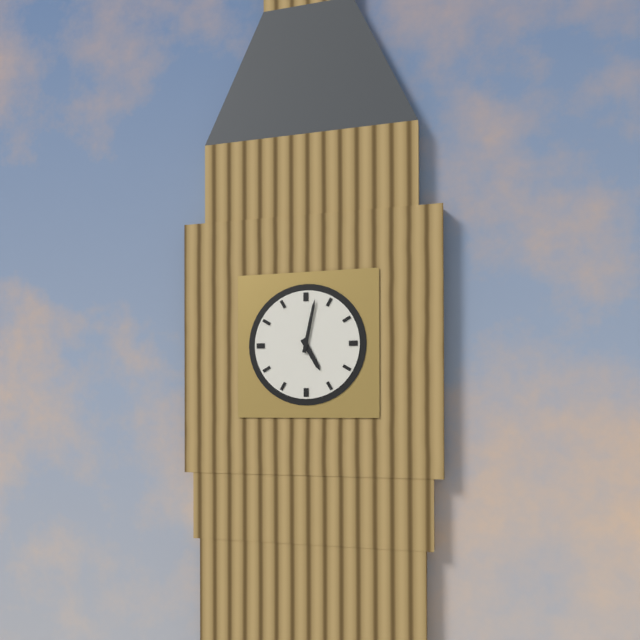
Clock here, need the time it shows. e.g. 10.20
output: 5.02
